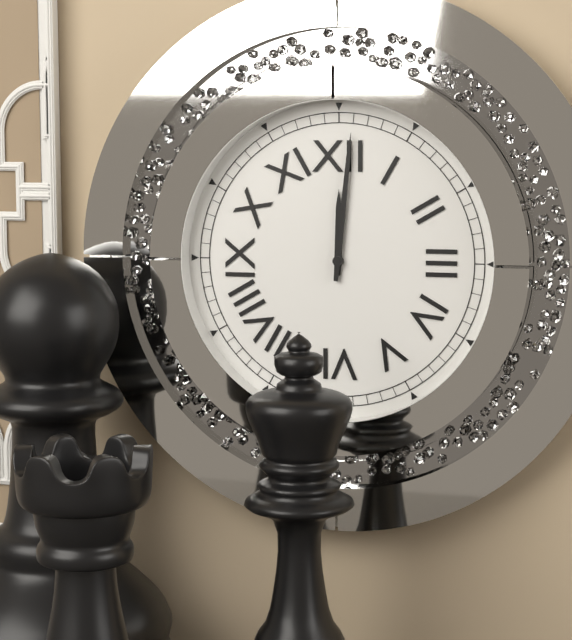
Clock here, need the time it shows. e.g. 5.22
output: 12.01
